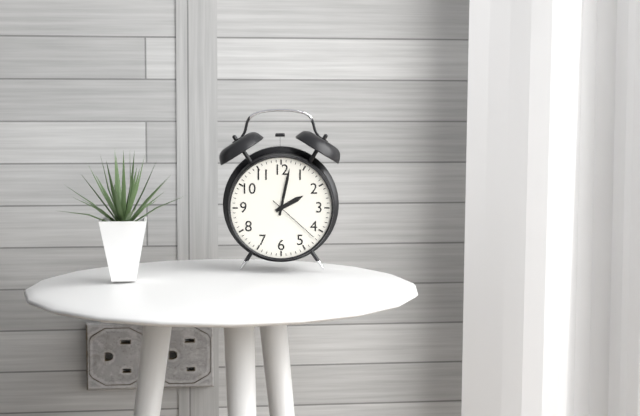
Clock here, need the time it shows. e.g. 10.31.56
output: 2.02.22
